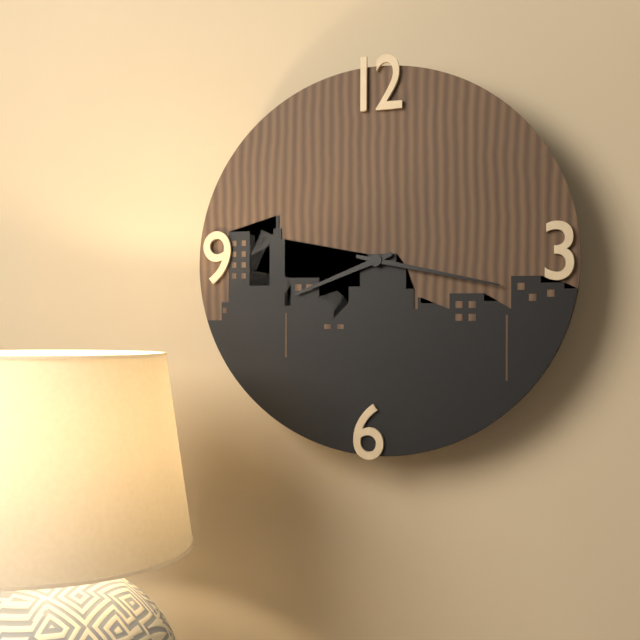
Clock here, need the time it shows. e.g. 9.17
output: 8.17
